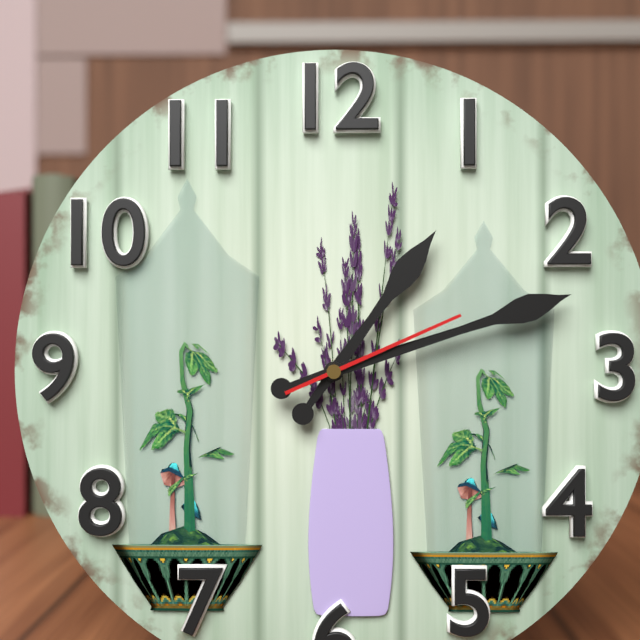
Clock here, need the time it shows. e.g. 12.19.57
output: 1.12.11
